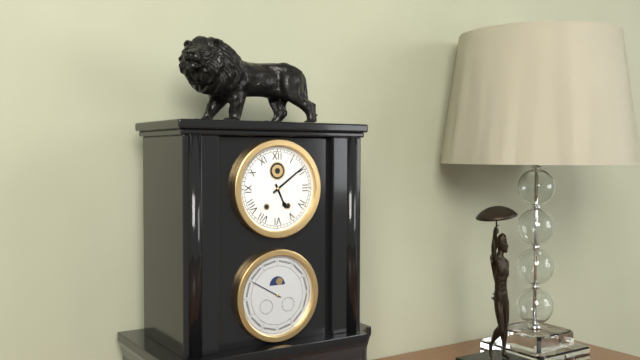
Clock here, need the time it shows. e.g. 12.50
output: 5.09
